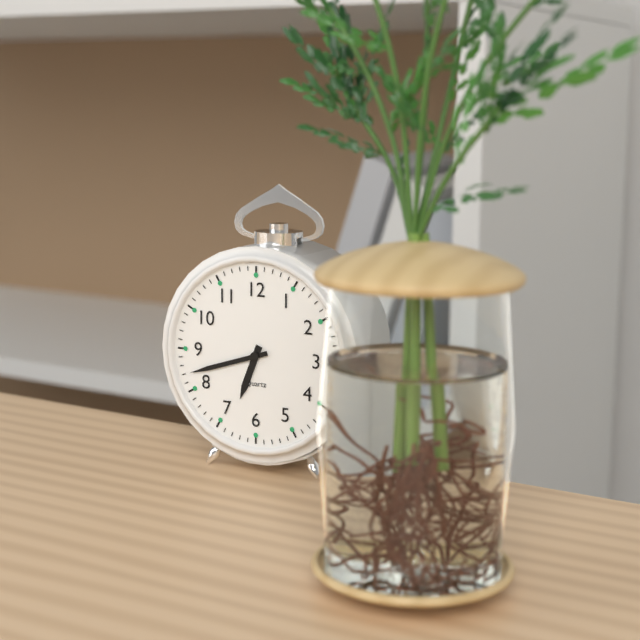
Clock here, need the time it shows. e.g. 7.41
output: 6.42
